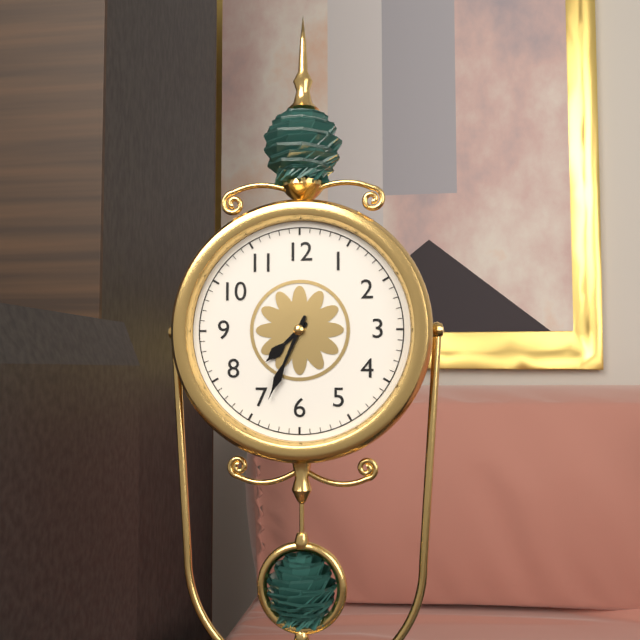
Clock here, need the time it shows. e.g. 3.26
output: 7.34
